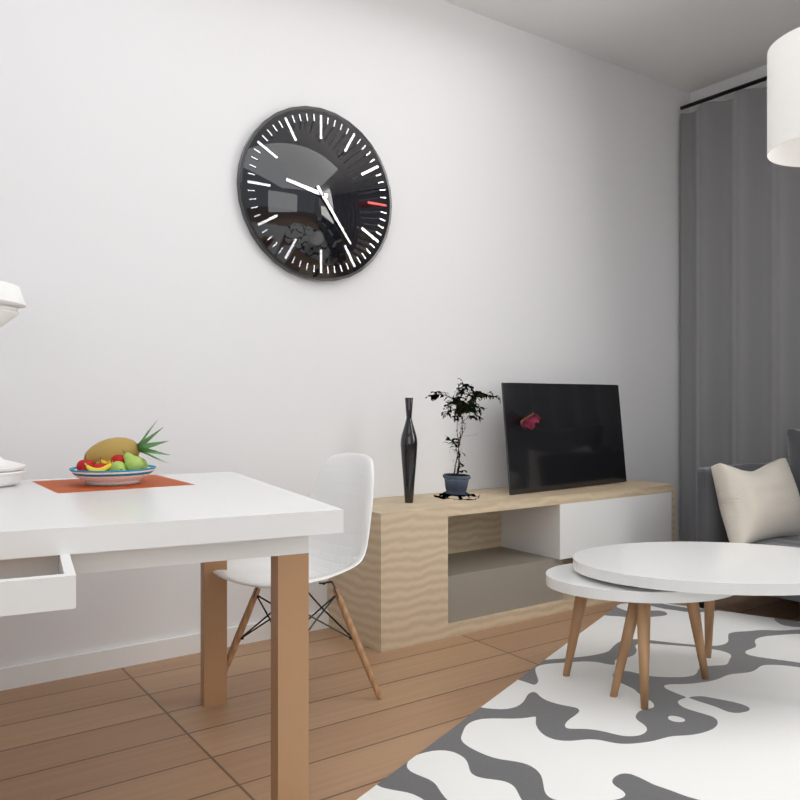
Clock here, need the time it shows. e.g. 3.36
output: 9.24
